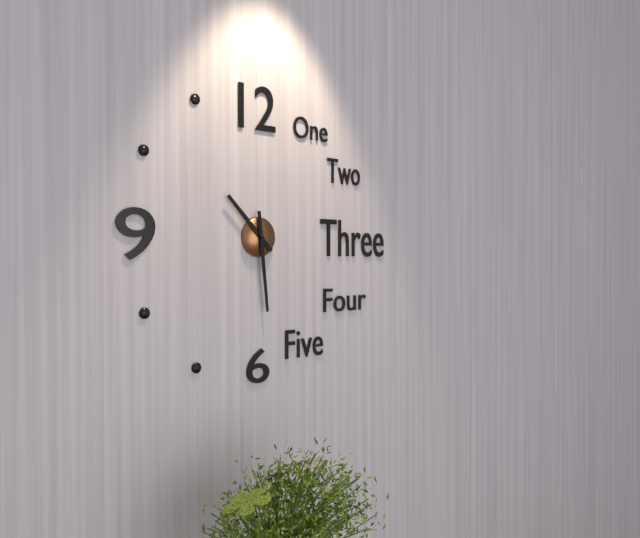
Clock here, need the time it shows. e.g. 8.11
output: 10.29
